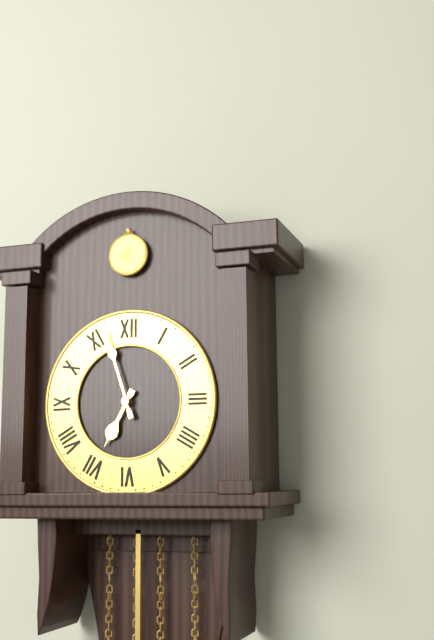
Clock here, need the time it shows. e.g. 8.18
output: 6.57
